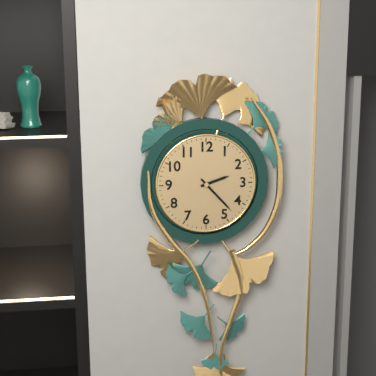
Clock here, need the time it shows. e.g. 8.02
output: 2.23
